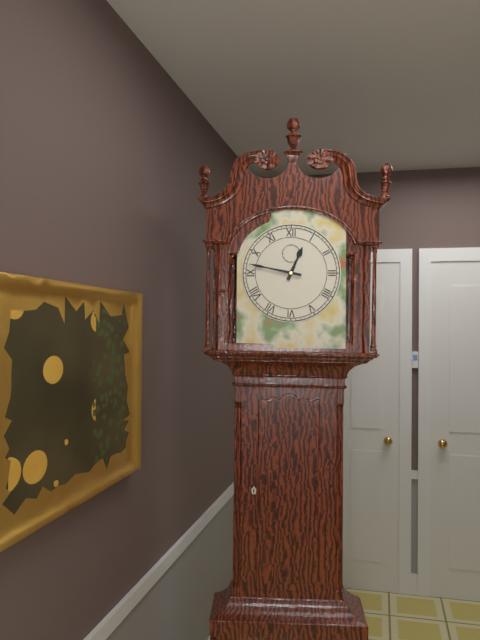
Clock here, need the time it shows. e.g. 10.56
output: 12.47
